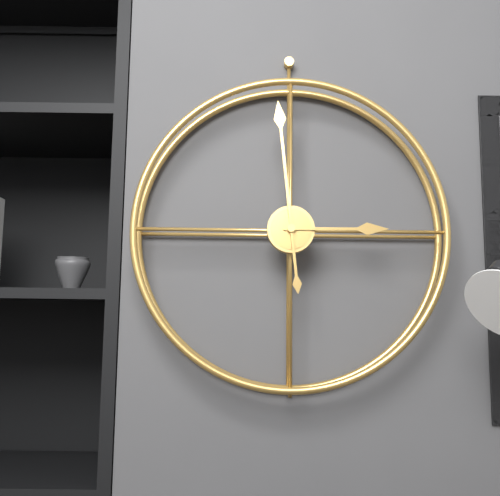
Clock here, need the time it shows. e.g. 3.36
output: 2.59
